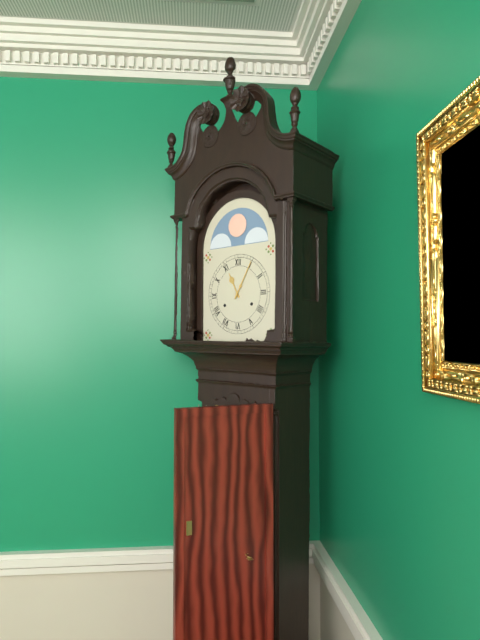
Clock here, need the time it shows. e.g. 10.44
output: 11.05
